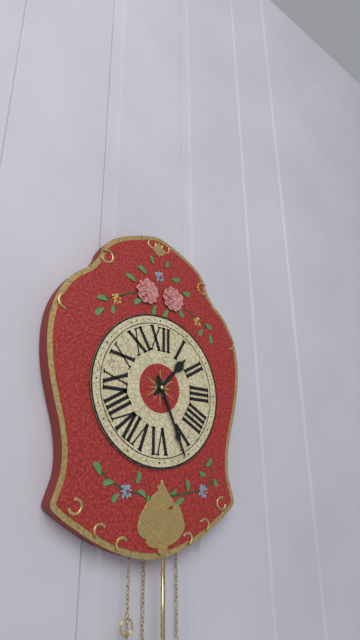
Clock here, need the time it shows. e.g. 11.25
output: 1.26
